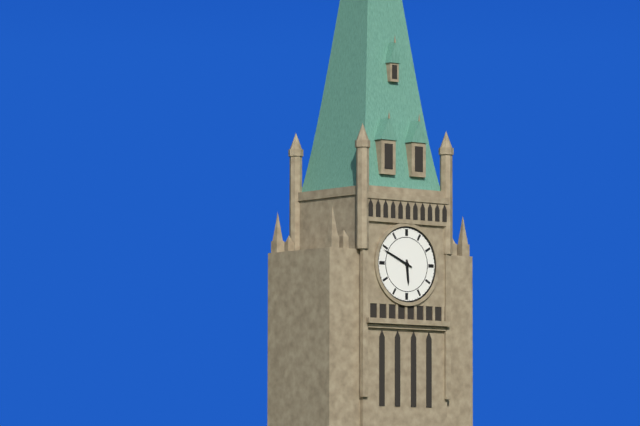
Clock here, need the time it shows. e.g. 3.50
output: 5.49
